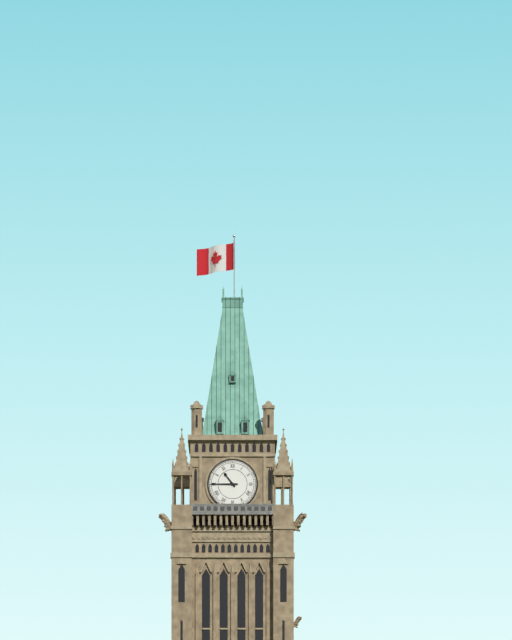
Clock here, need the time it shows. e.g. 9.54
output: 10.45
